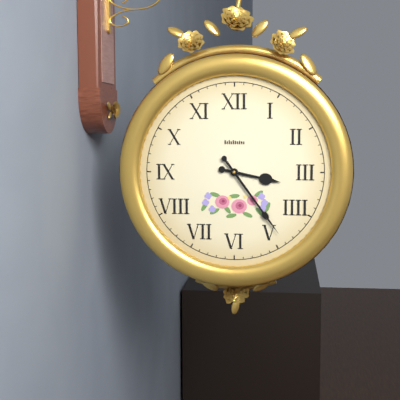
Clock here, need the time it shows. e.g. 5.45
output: 3.24
